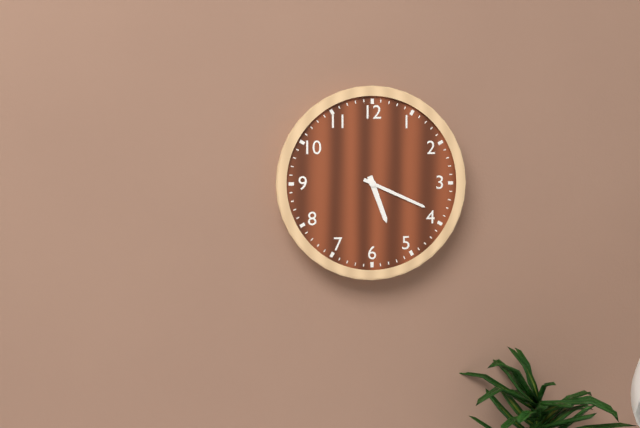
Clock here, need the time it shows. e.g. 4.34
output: 5.19
